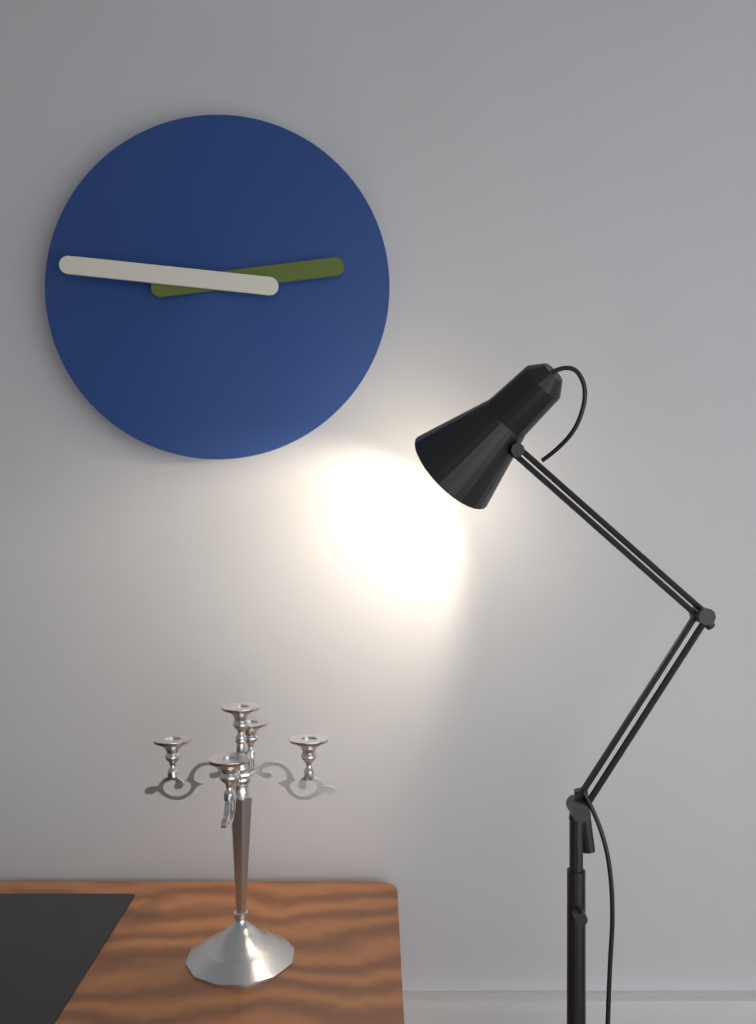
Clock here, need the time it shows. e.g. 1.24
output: 2.46
